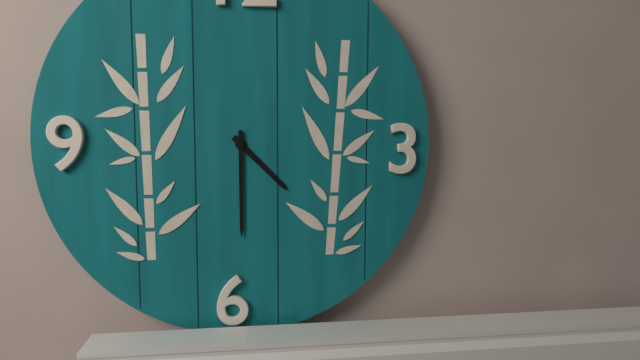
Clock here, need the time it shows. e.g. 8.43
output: 4.30
